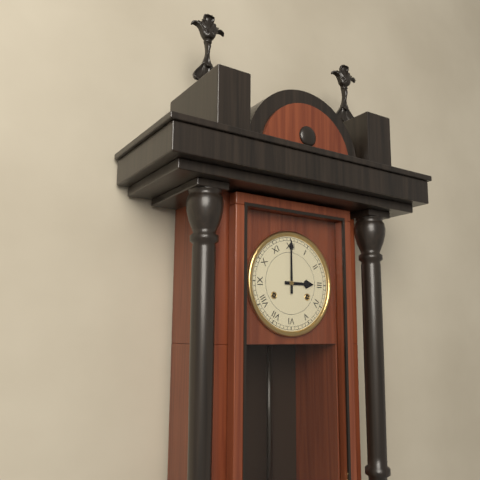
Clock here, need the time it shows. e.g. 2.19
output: 3.00
